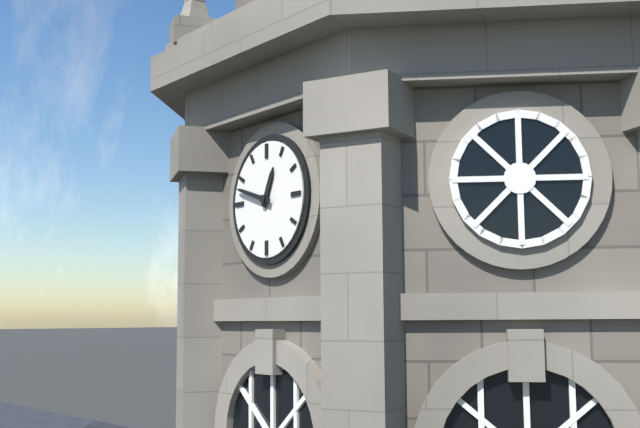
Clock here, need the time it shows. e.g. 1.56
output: 12.48
